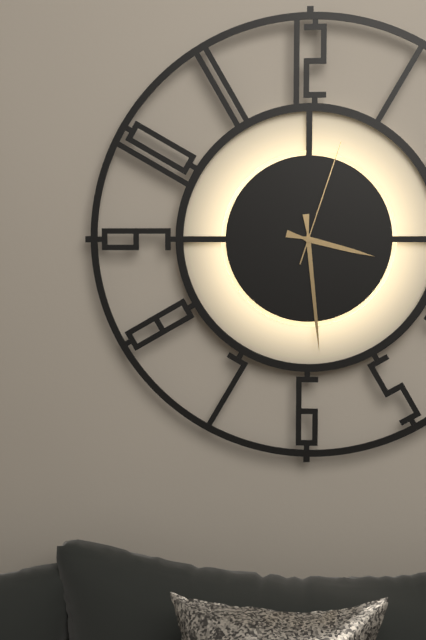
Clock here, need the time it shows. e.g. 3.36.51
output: 3.29.03
